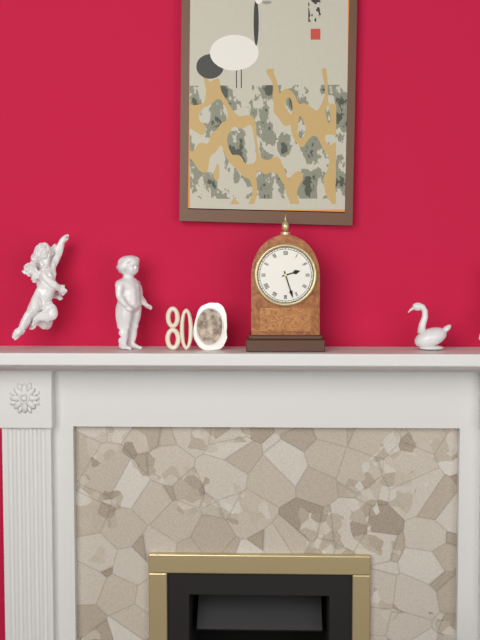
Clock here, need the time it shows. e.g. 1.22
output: 2.27
